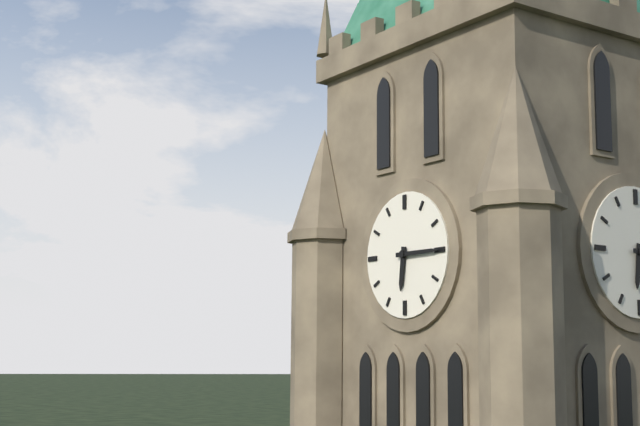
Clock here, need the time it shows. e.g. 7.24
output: 6.15
